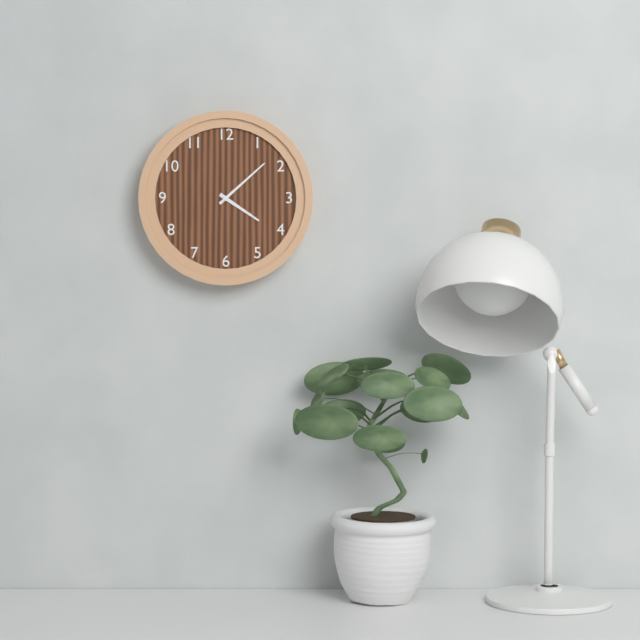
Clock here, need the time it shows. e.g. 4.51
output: 4.08
